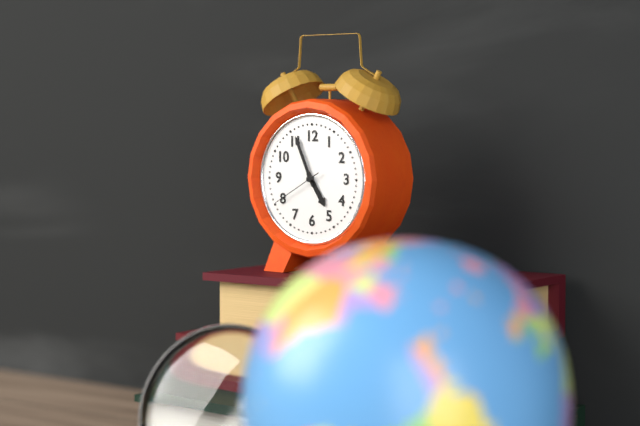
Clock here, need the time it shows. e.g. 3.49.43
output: 4.56.40
